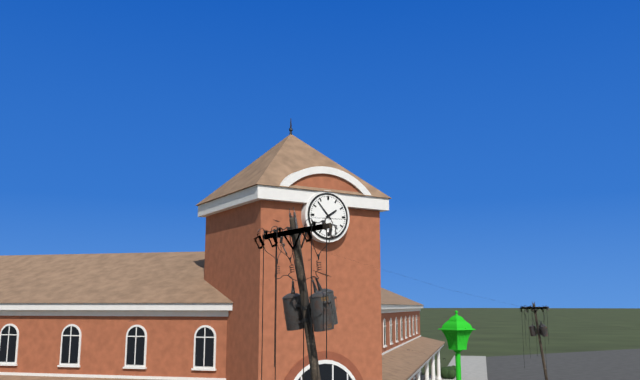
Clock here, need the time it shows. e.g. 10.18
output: 1.53
